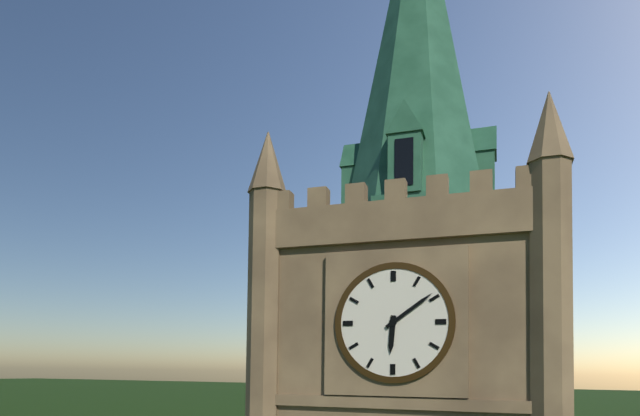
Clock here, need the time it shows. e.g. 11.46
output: 6.09
